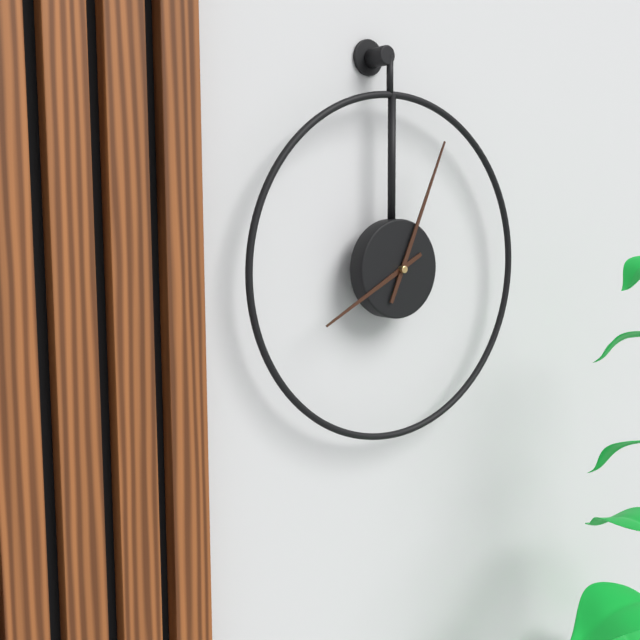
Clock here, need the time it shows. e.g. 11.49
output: 8.04
